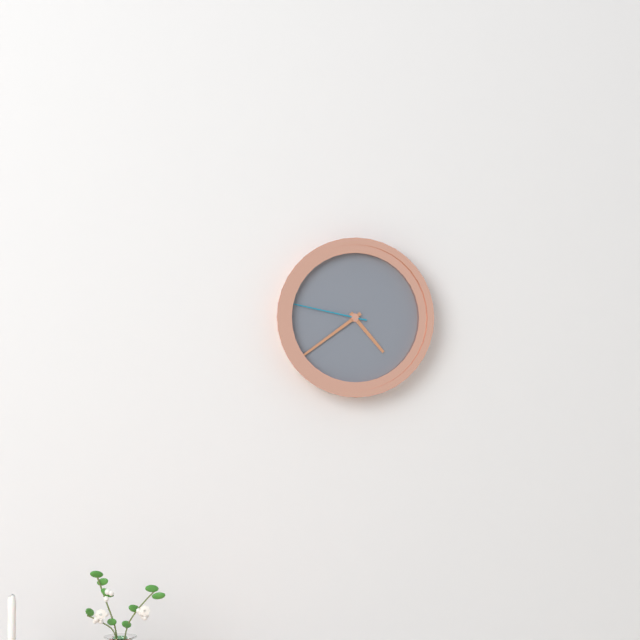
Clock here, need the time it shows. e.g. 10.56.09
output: 4.39.47
